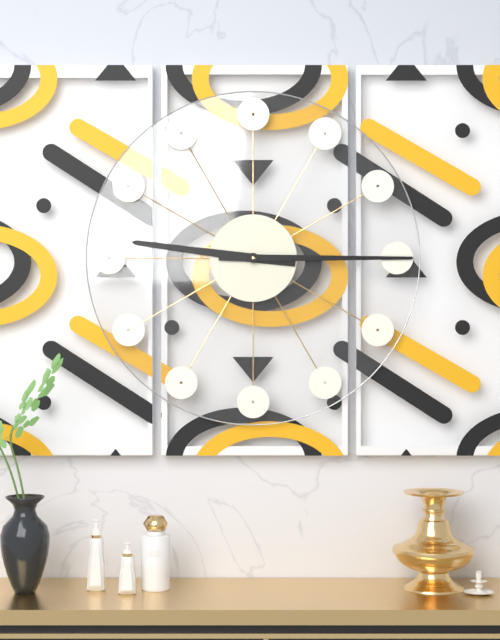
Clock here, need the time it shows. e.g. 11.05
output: 9.15
